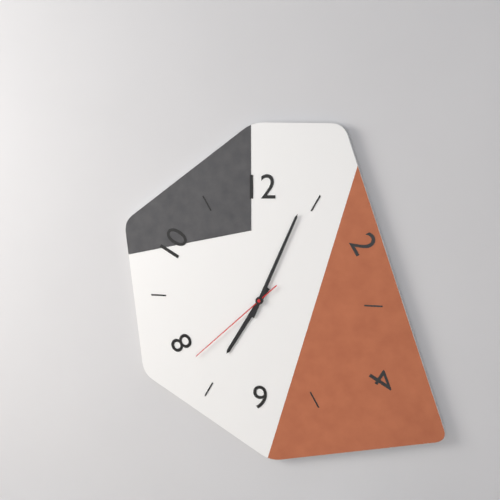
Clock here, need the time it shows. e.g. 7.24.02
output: 7.04.38
